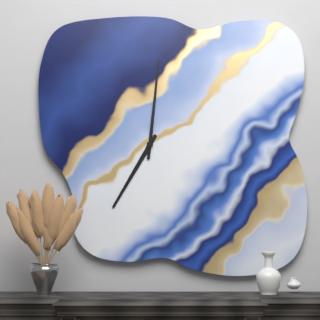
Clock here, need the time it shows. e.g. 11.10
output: 7.01
